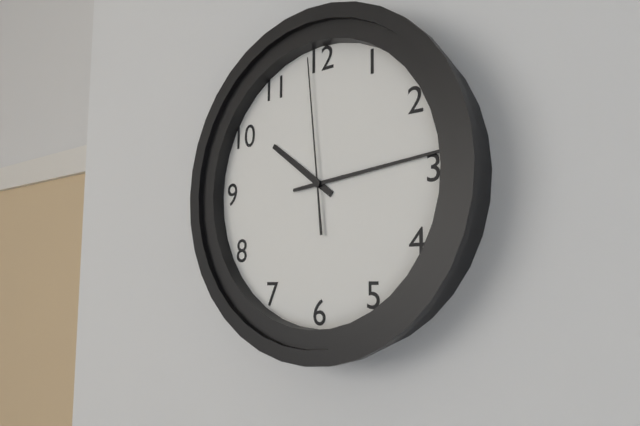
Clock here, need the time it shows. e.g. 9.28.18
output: 10.14.59
